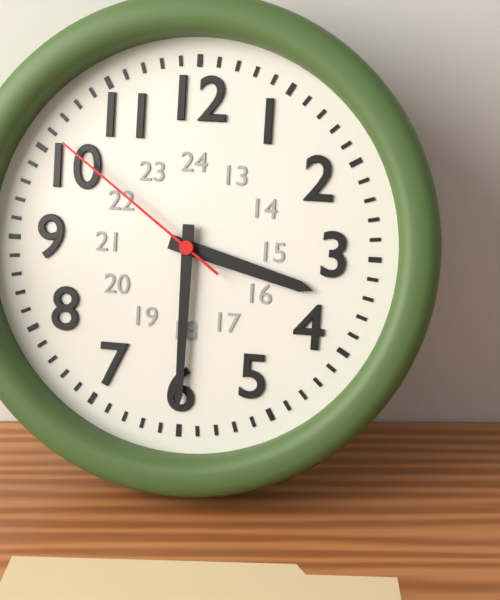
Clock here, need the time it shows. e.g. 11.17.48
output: 3.30.51
